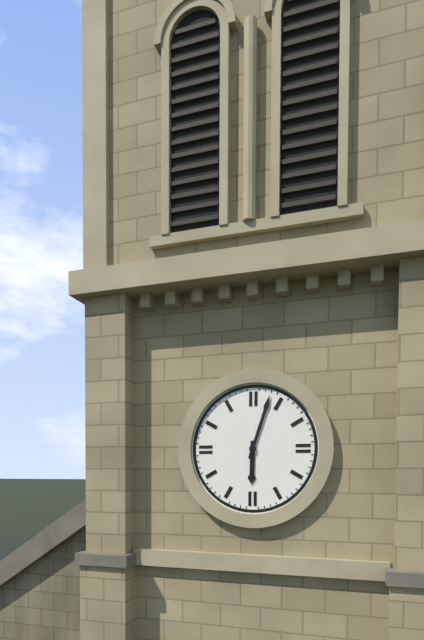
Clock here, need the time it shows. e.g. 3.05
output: 6.03
